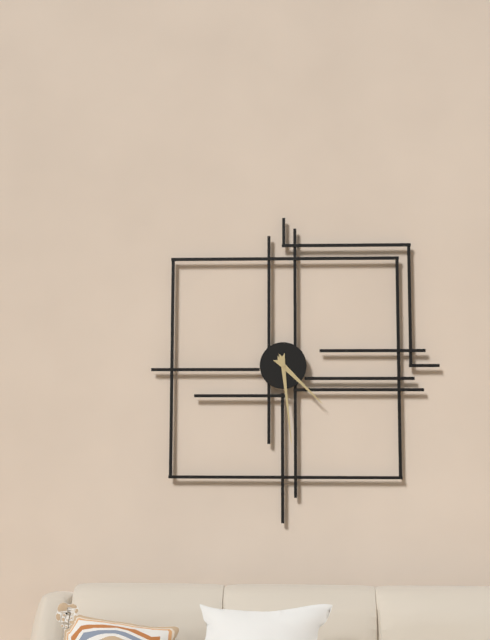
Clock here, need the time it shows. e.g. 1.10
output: 4.29
